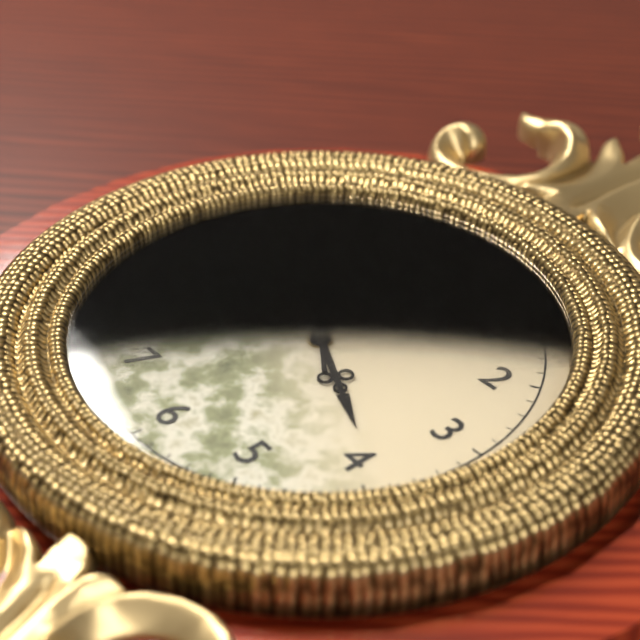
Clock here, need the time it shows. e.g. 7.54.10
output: 3.53.51
